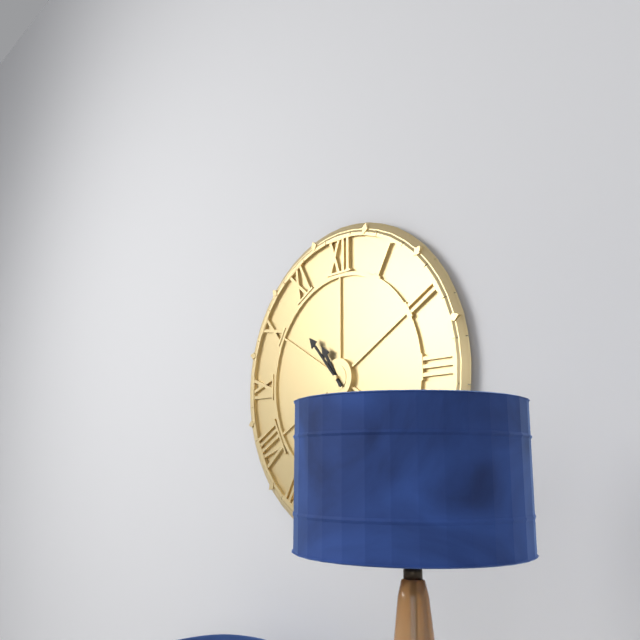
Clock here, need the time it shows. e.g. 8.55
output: 10.53
